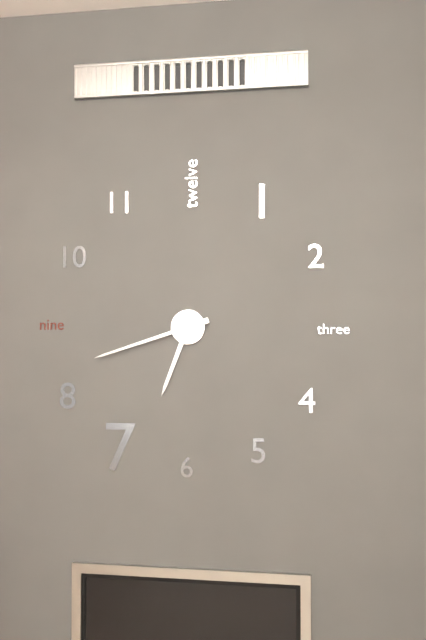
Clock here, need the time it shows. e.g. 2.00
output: 6.42
